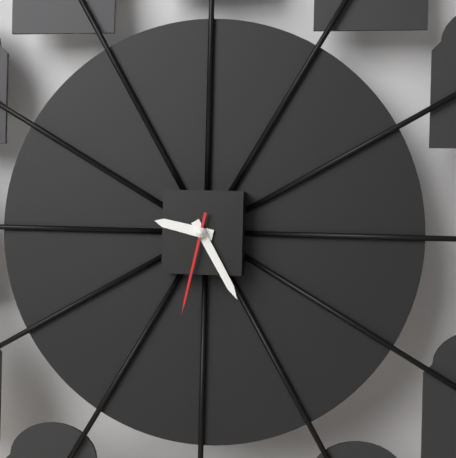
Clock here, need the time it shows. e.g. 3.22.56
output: 9.25.32
